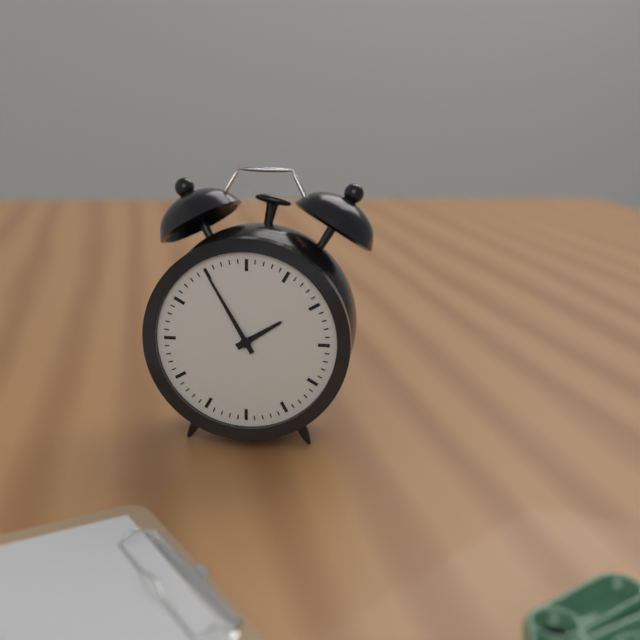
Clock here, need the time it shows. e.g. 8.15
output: 1.55
